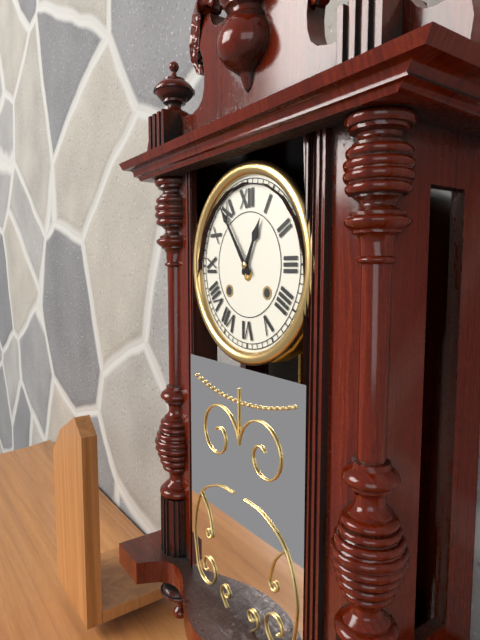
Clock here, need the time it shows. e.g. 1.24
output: 12.54
